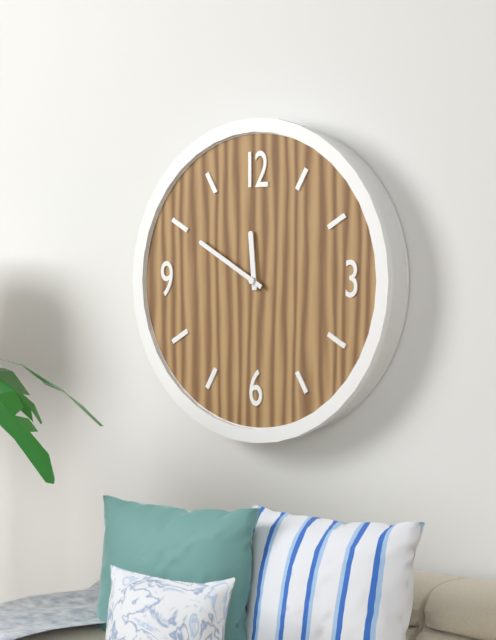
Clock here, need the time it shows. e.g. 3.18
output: 11.50
